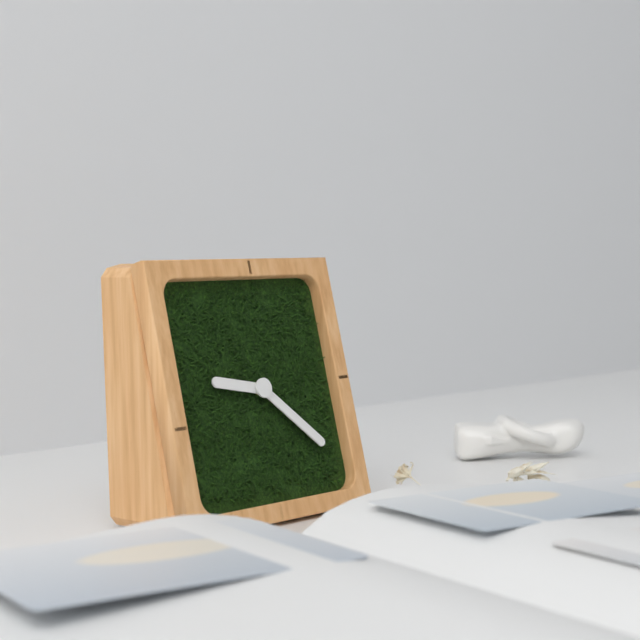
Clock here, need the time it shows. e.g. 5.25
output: 9.22
